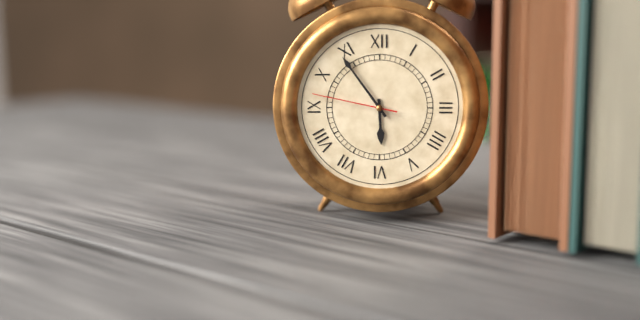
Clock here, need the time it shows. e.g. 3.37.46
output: 5.54.47
